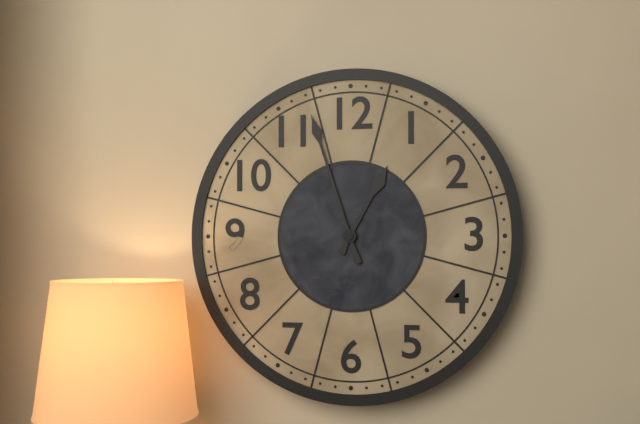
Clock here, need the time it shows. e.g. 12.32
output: 12.57
